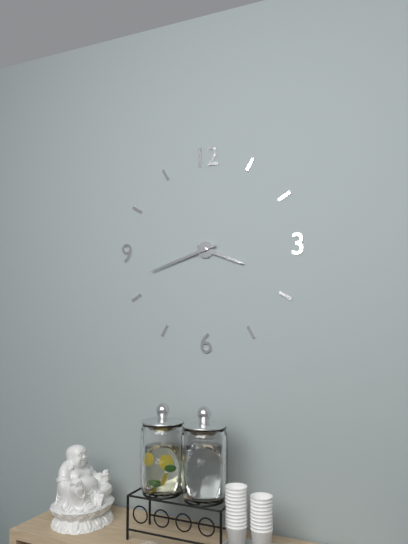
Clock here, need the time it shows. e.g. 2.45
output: 3.42
